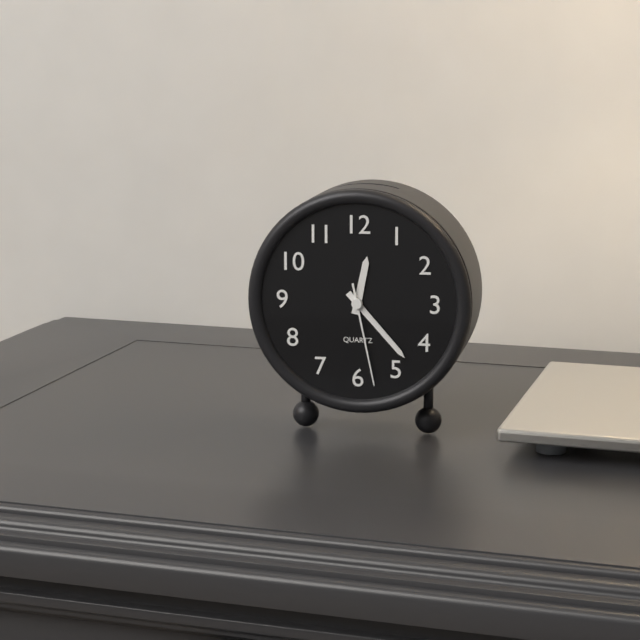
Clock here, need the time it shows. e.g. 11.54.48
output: 12.23.28
